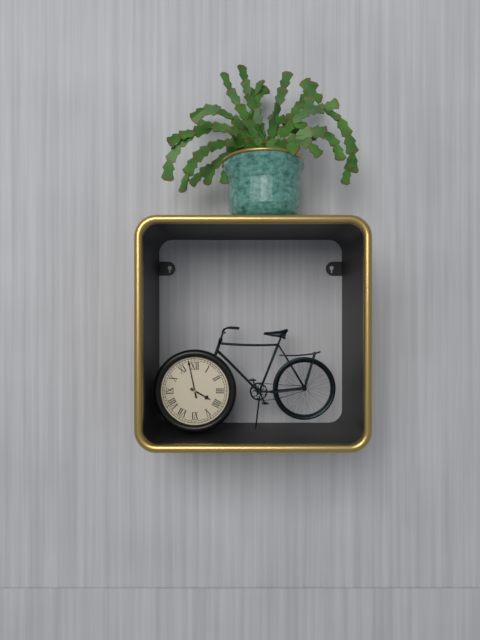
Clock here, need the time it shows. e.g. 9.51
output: 3.58
